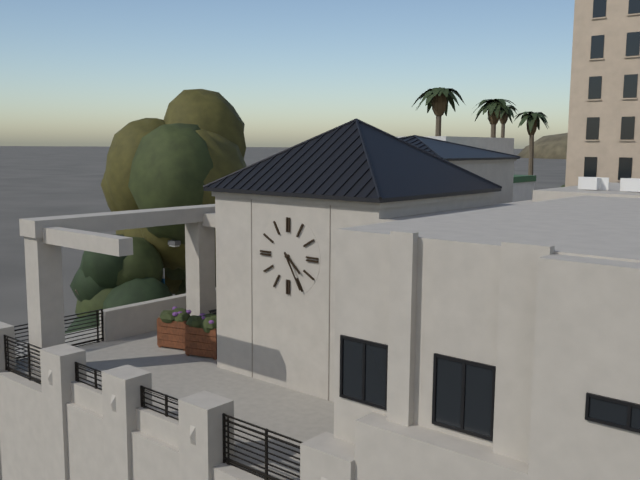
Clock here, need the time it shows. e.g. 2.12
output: 4.25
